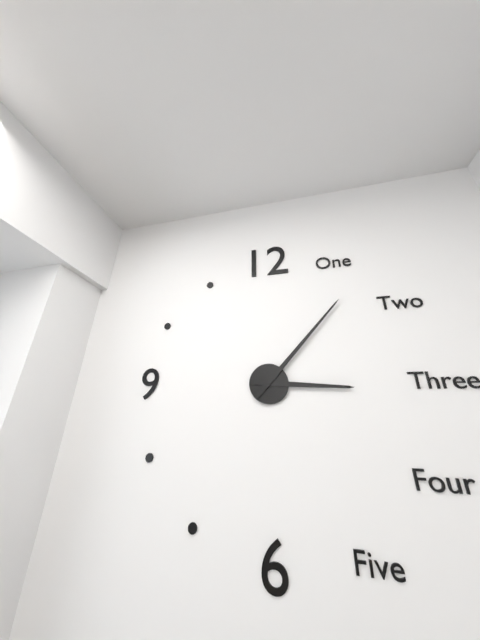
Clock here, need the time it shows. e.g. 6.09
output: 3.07
